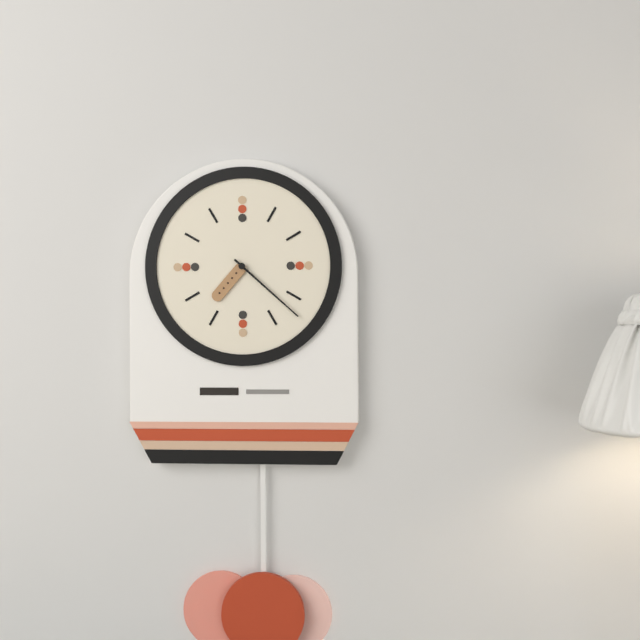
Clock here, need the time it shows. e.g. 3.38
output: 7.22
